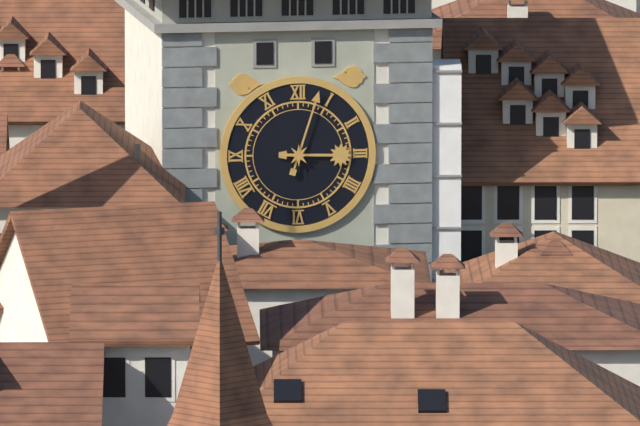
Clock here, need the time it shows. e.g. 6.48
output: 3.03
